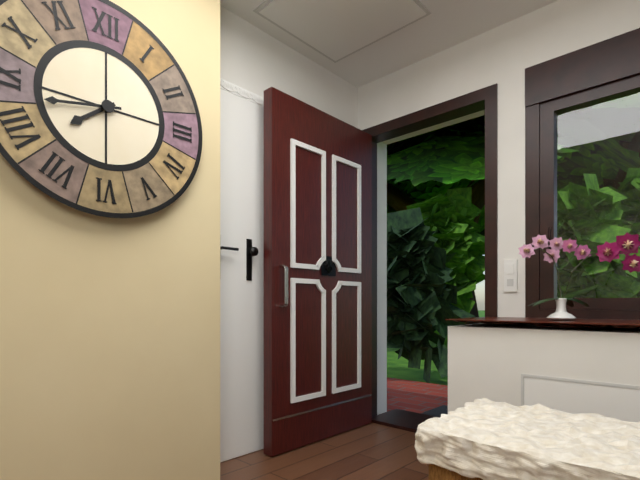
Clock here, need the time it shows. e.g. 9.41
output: 7.43
